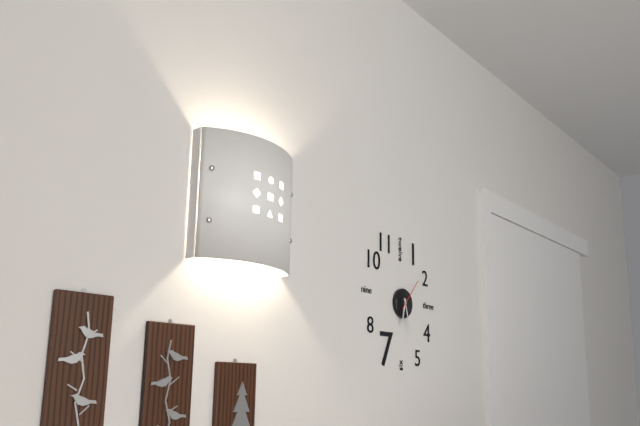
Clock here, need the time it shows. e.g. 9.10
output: 6.27
